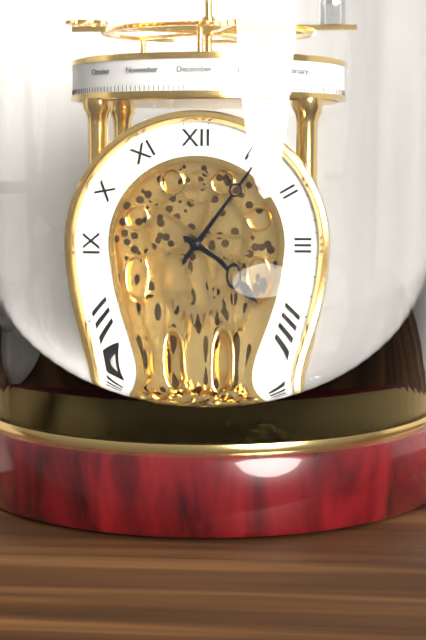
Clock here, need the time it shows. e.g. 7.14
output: 4.06
